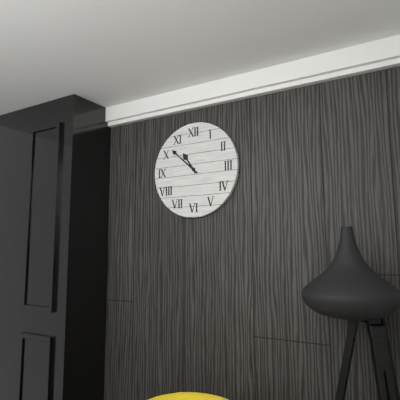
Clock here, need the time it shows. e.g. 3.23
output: 10.52
